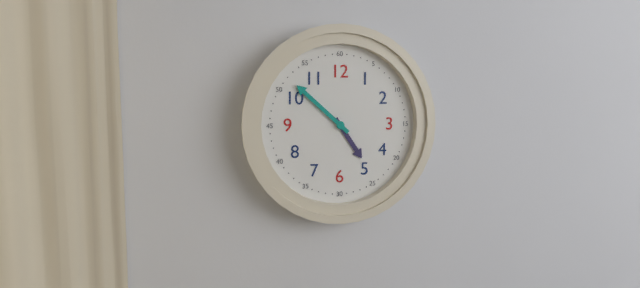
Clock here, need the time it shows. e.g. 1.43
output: 4.52
